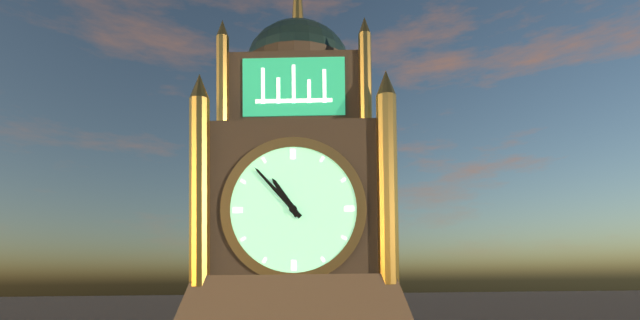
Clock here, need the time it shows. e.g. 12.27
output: 10.53
